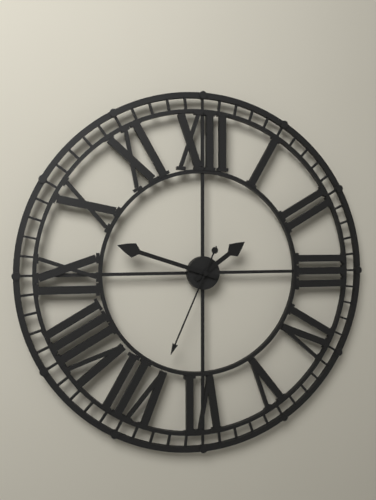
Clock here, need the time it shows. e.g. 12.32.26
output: 1.48.34
